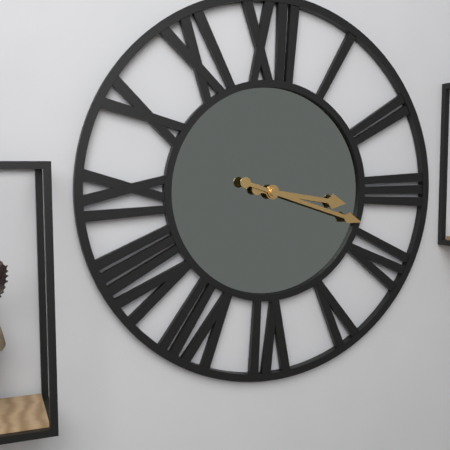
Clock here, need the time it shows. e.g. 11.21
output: 3.18
